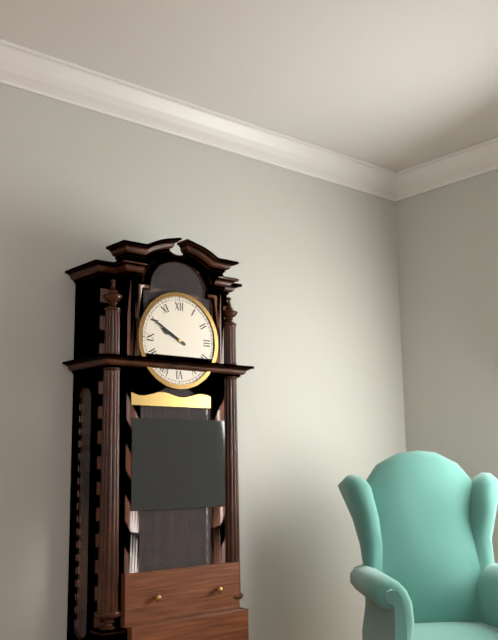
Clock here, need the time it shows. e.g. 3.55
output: 9.50
